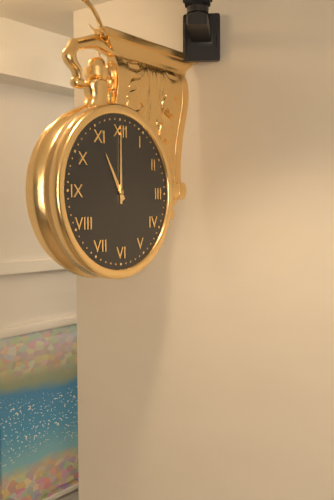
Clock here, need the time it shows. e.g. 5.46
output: 11.00
